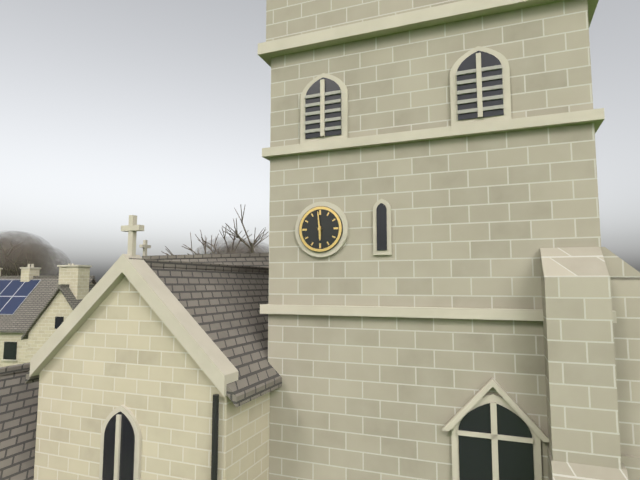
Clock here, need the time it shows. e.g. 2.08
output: 5.59
